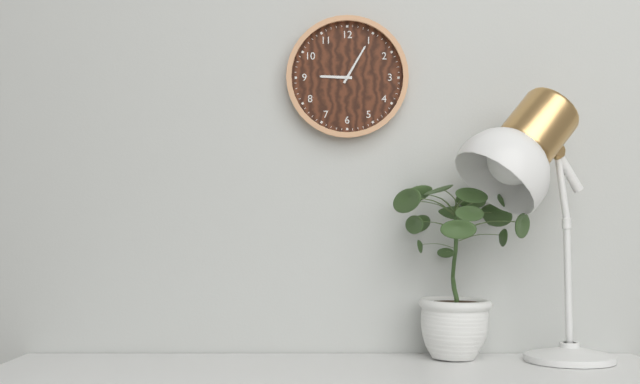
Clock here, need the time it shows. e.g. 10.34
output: 9.05
